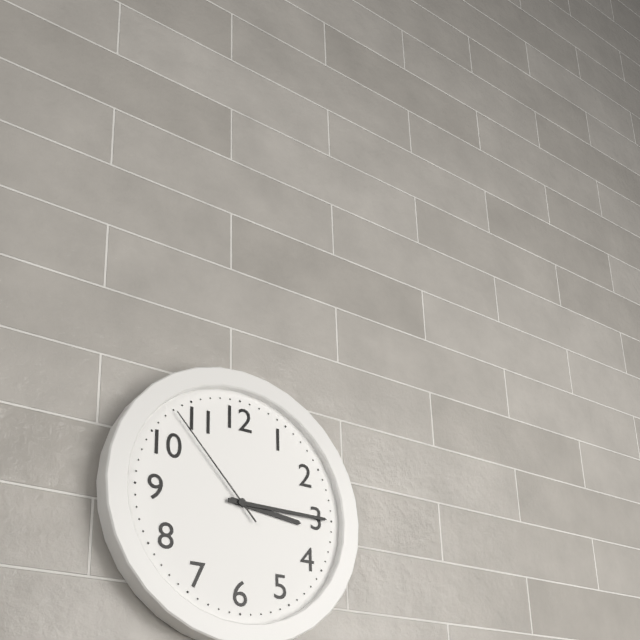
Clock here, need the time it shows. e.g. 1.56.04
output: 3.15.53
